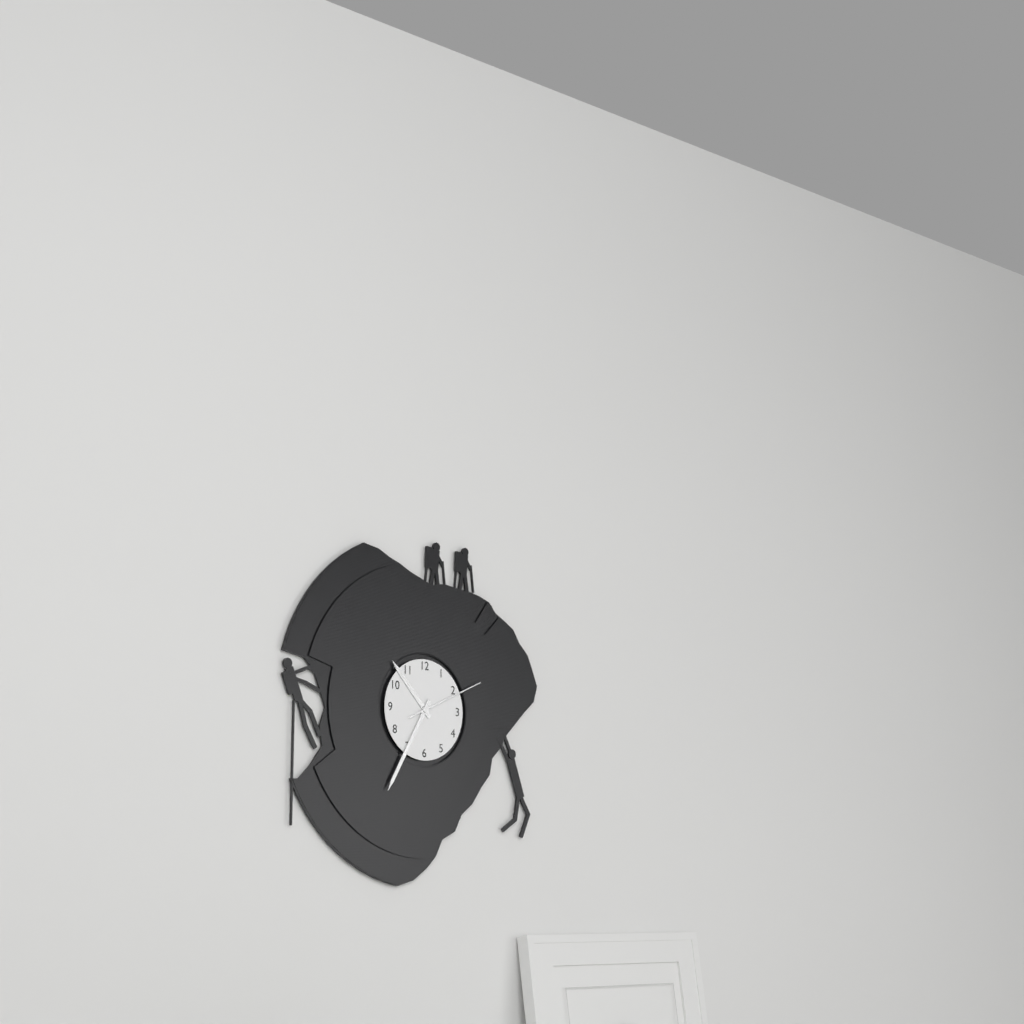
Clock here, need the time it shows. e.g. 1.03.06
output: 10.35.11
